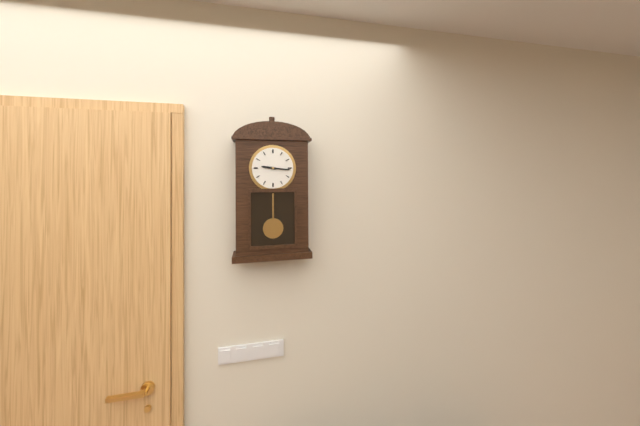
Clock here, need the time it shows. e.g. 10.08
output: 9.16
